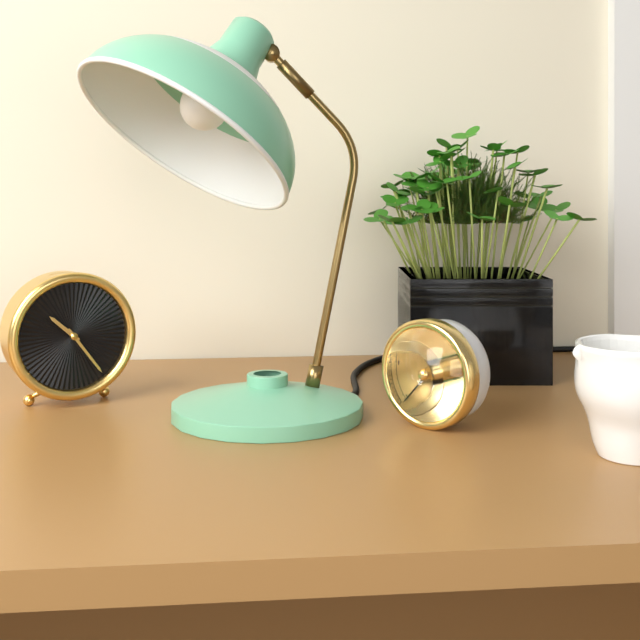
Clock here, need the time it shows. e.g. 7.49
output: 10.24
